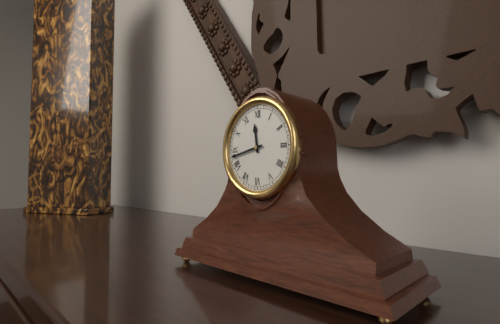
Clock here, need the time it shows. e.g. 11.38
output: 11.43
